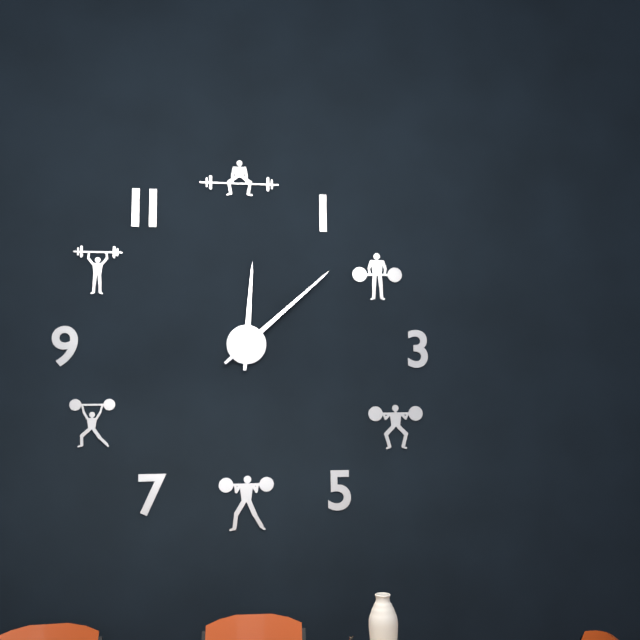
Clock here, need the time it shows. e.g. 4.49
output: 12.08
